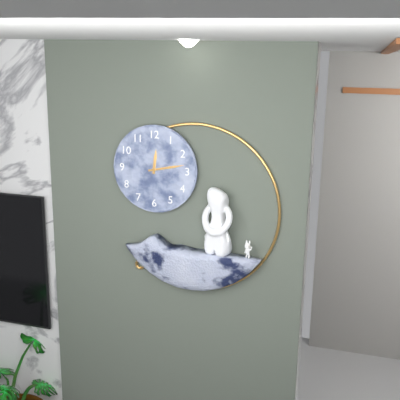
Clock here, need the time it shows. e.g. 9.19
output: 12.13
